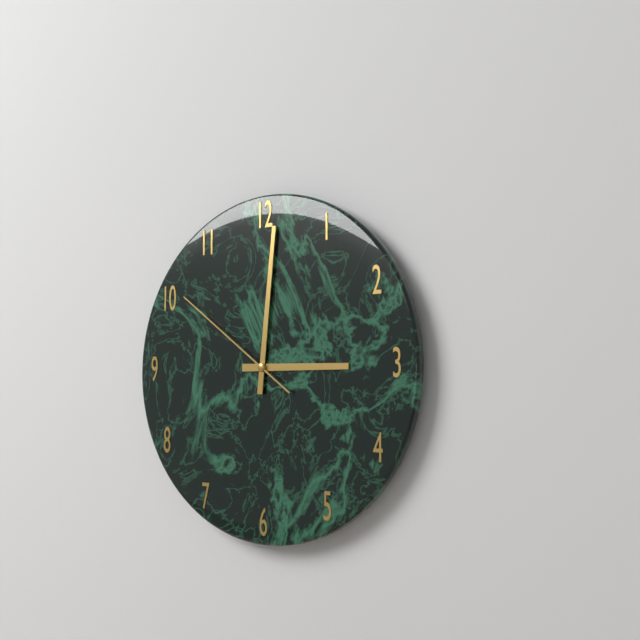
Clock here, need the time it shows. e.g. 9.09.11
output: 3.01.51
